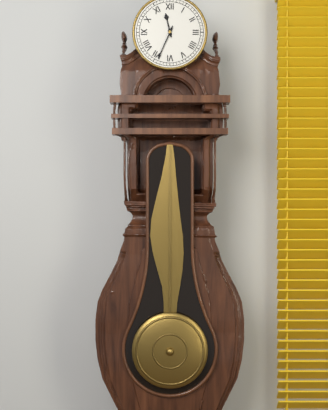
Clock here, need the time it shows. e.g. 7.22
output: 11.34
